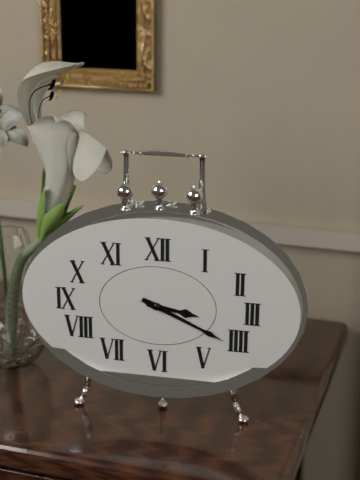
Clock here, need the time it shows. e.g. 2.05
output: 3.19
